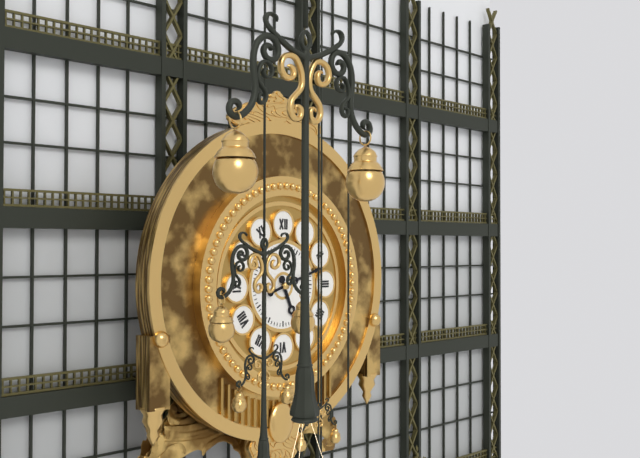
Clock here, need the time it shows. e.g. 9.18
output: 5.12
